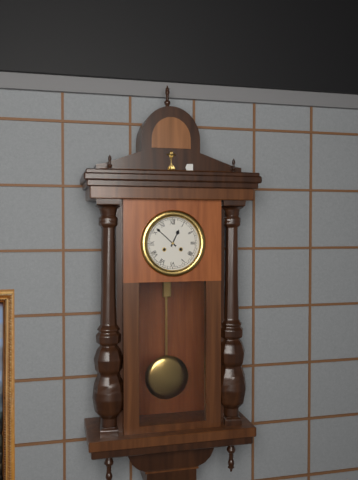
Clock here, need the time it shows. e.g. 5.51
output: 12.52
